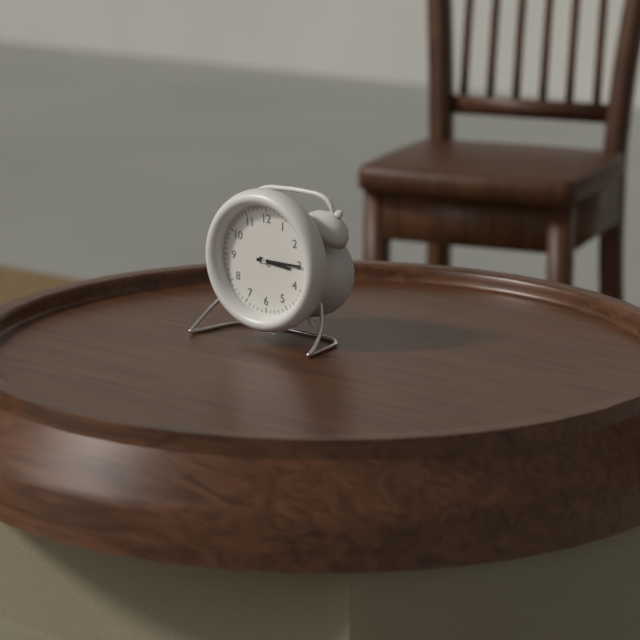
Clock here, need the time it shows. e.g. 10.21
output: 3.15
